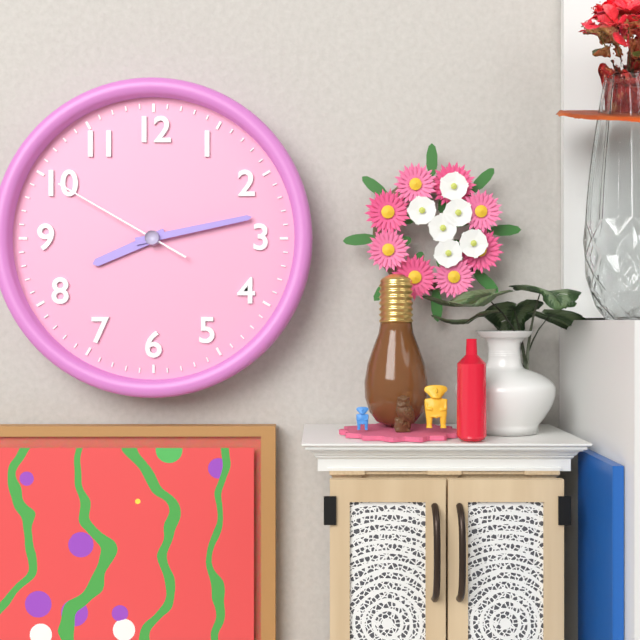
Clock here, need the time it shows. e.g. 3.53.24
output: 8.13.50
